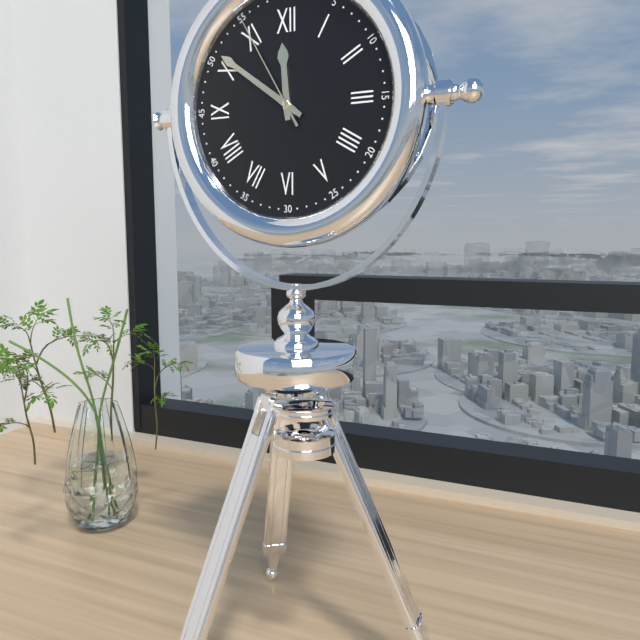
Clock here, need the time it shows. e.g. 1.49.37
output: 11.51.55
